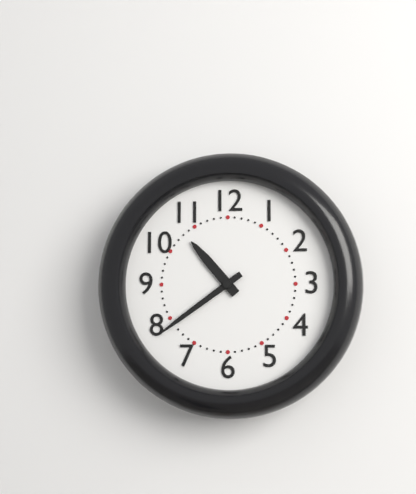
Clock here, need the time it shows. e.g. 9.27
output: 10.39
